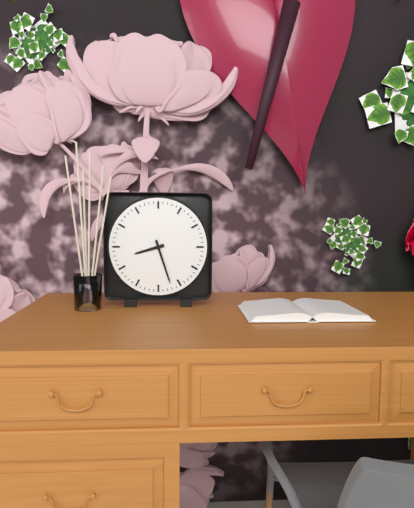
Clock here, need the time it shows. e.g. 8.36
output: 8.27
